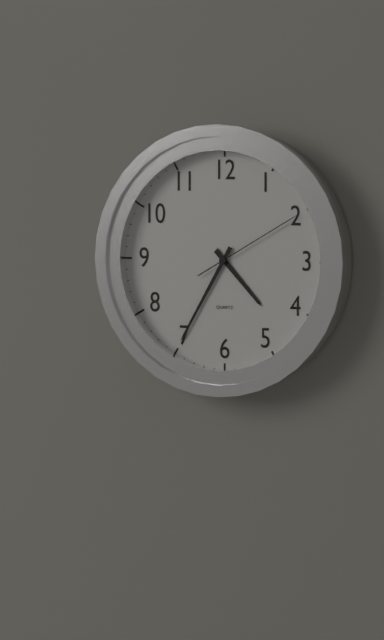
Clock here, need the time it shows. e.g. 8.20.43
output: 4.35.10
